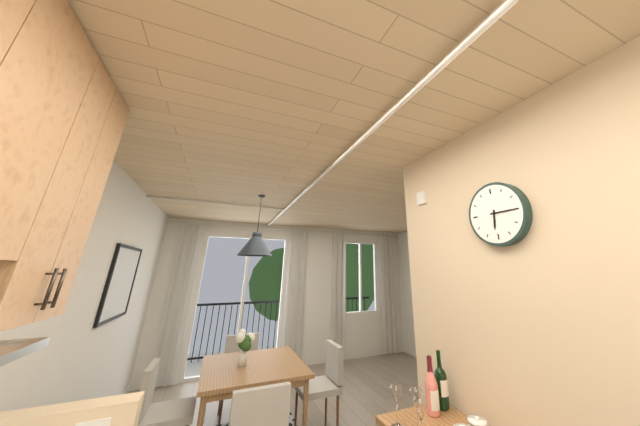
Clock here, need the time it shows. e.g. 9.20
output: 6.15
